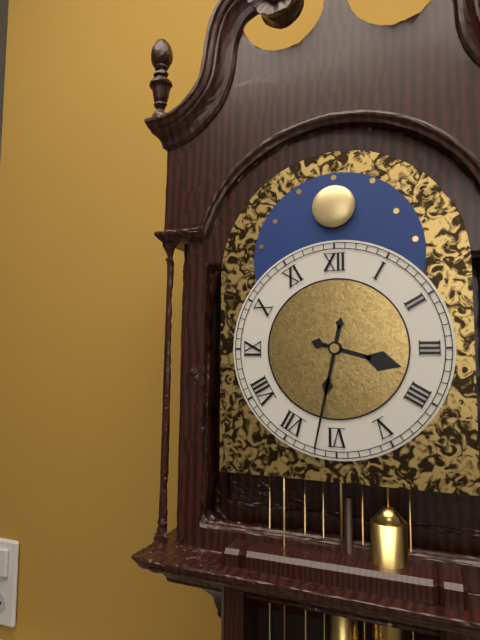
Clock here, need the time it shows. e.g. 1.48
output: 3.32
